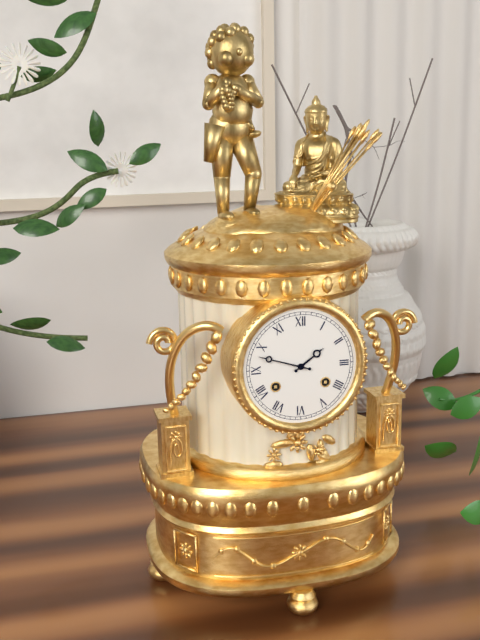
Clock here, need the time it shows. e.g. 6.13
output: 1.48
